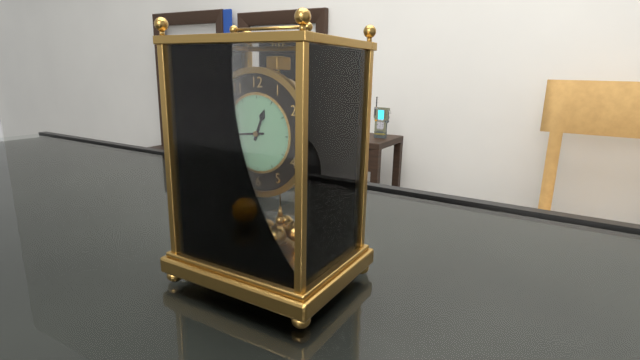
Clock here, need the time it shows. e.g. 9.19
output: 12.44
